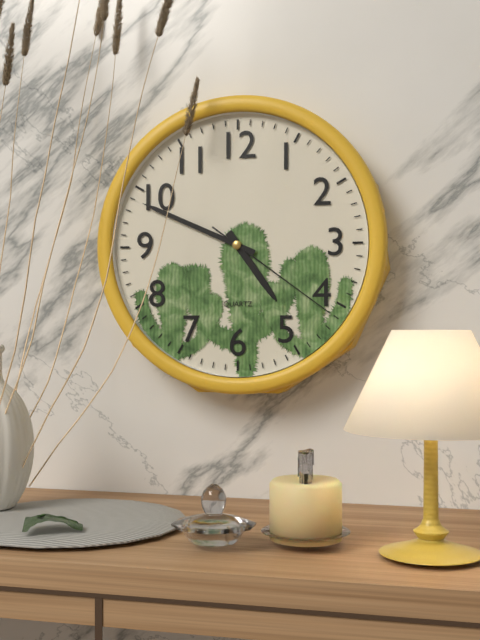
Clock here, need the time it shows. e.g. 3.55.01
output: 4.49.21
